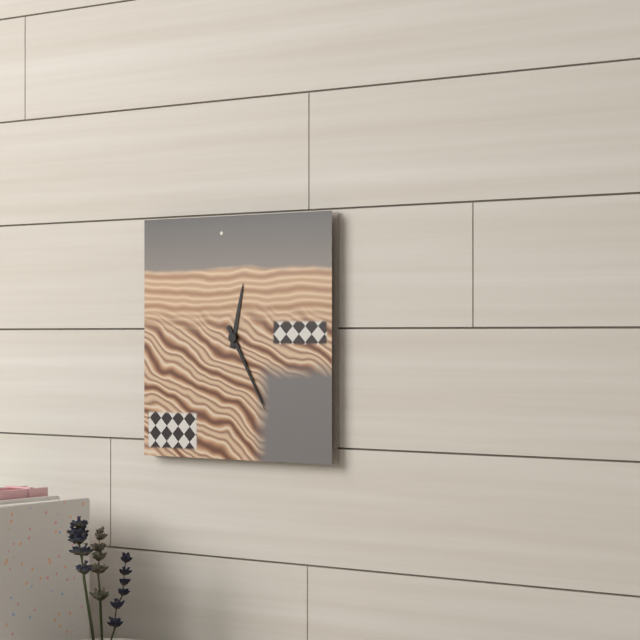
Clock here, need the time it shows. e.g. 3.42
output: 12.25
